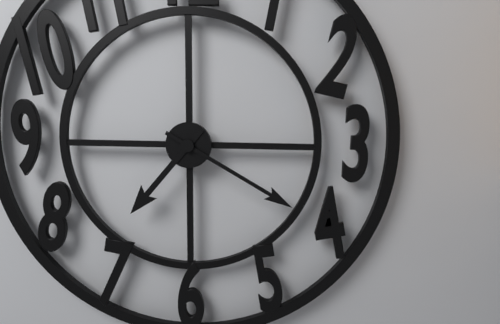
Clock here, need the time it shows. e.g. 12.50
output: 7.20
